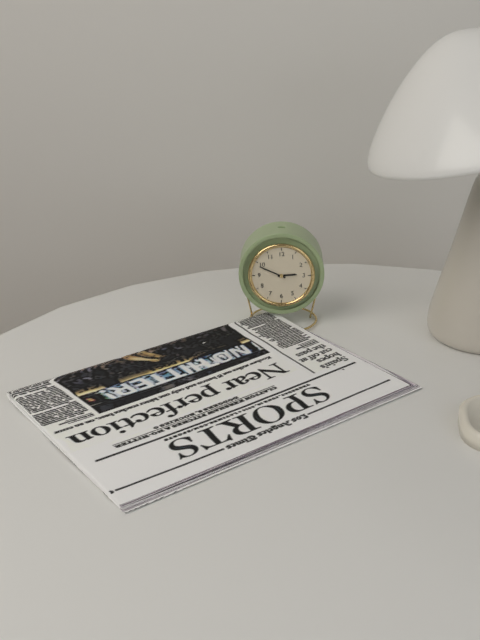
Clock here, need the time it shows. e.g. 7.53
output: 2.49
